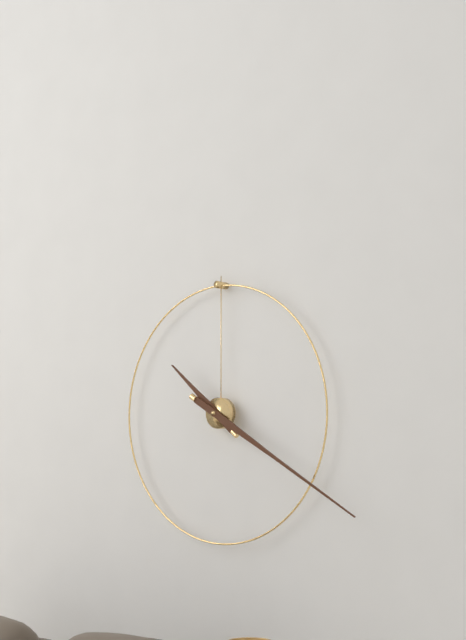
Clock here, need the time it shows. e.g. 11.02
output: 10.20
